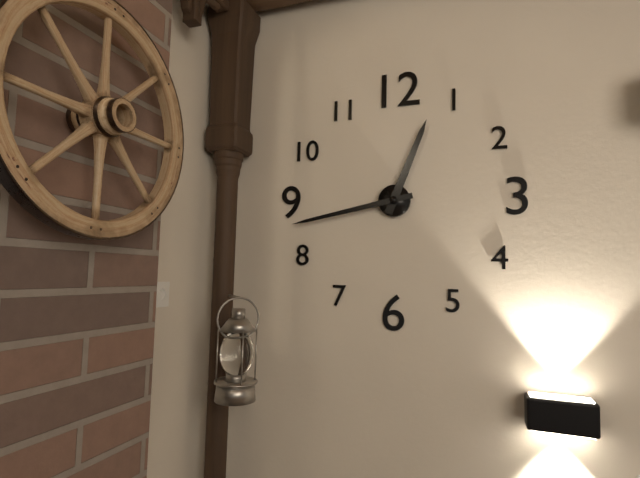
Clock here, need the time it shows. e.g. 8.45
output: 12.43
